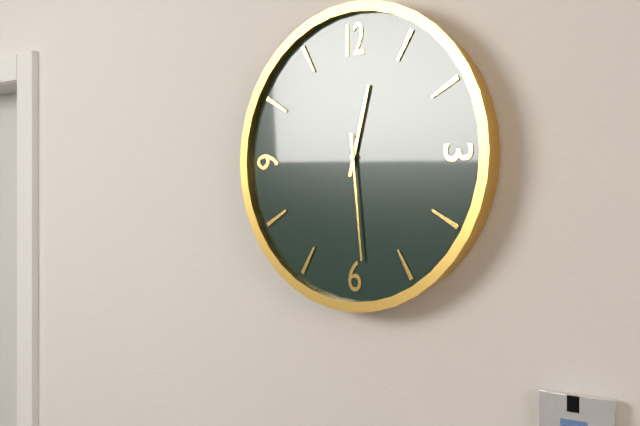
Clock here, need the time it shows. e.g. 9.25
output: 12.29
